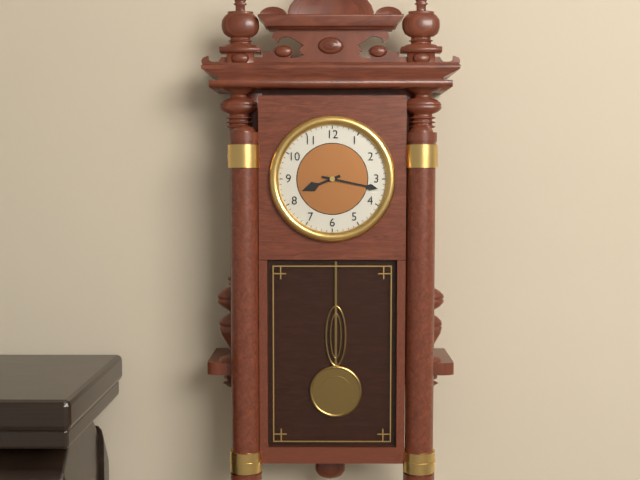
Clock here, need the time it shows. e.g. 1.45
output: 8.17
